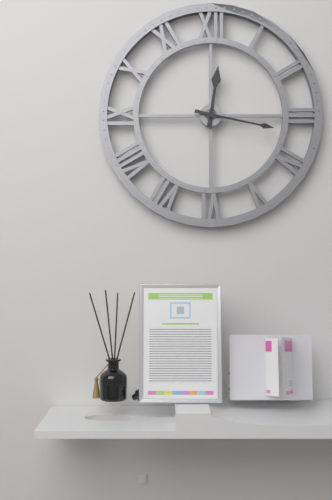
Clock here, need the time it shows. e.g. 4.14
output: 12.17
